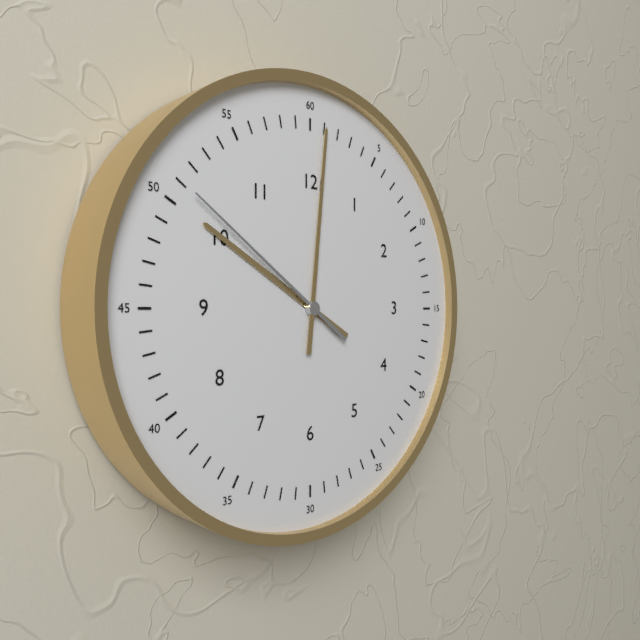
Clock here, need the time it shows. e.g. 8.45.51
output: 10.01.51
